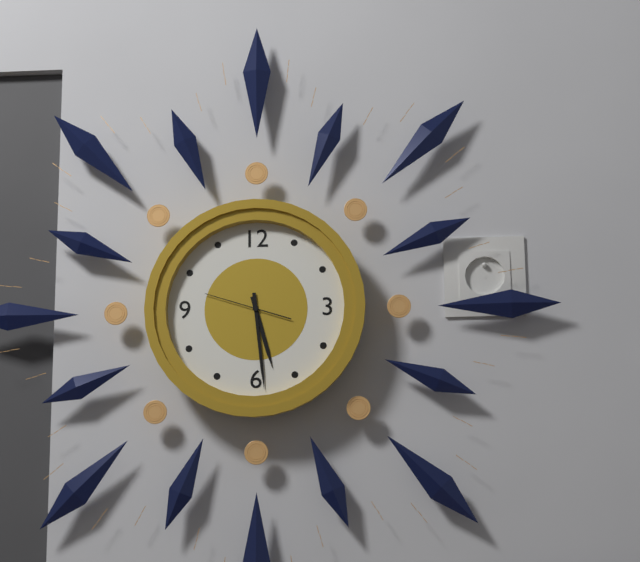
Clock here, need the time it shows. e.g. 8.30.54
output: 5.29.48
